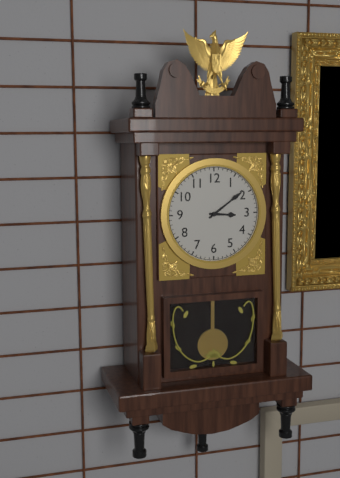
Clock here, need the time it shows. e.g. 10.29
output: 3.09
